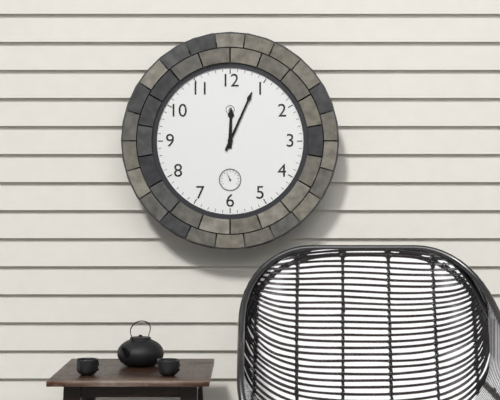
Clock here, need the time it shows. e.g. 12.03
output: 12.04
